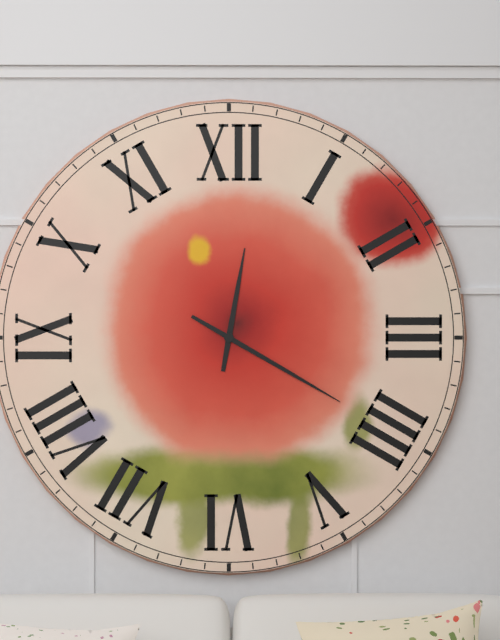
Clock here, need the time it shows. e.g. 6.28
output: 12.20
